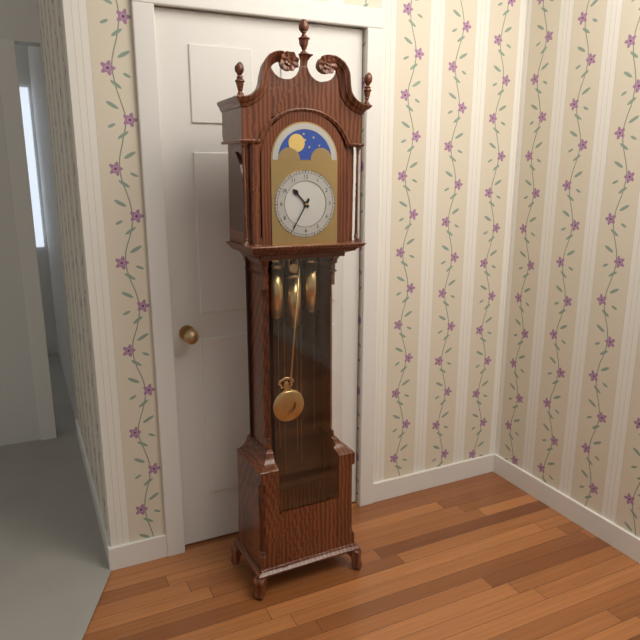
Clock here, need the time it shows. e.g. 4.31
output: 10.35
